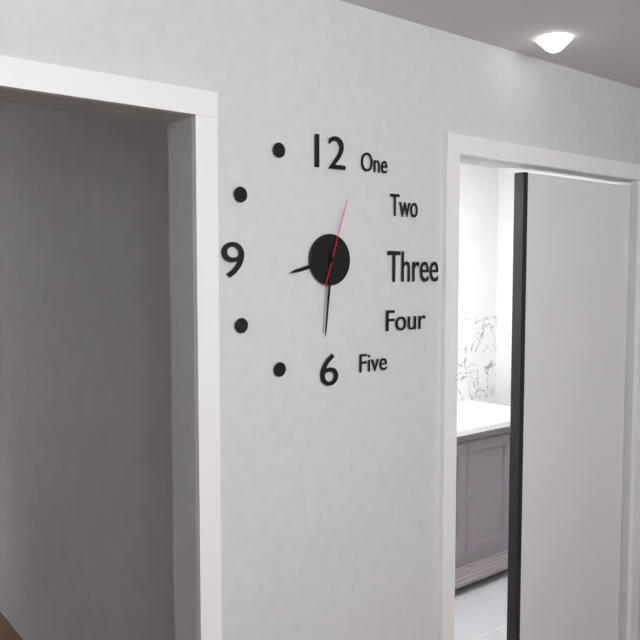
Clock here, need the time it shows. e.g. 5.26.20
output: 8.31.03
